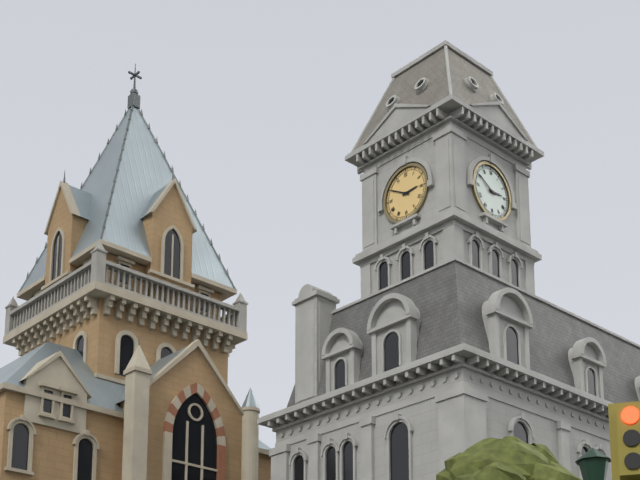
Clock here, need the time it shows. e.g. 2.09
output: 2.50
